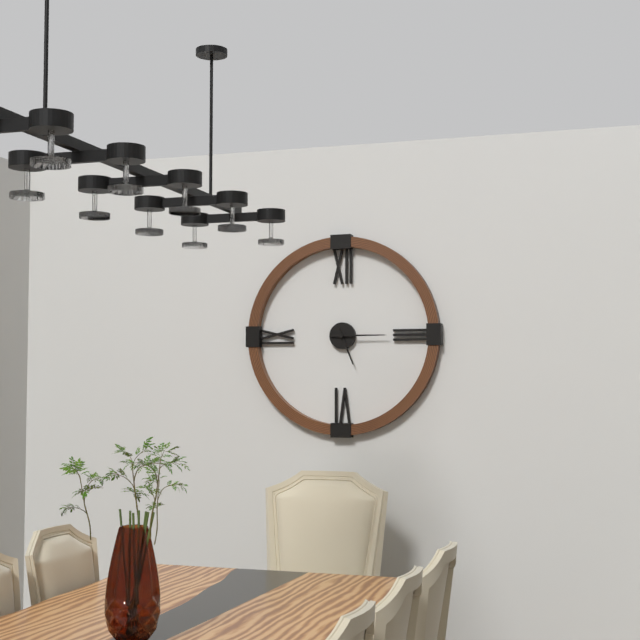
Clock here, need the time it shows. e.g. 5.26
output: 5.15
